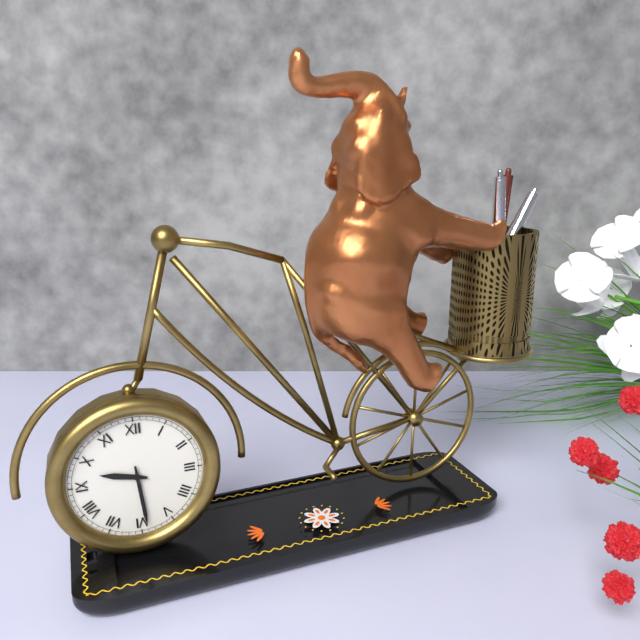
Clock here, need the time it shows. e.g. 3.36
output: 9.29
